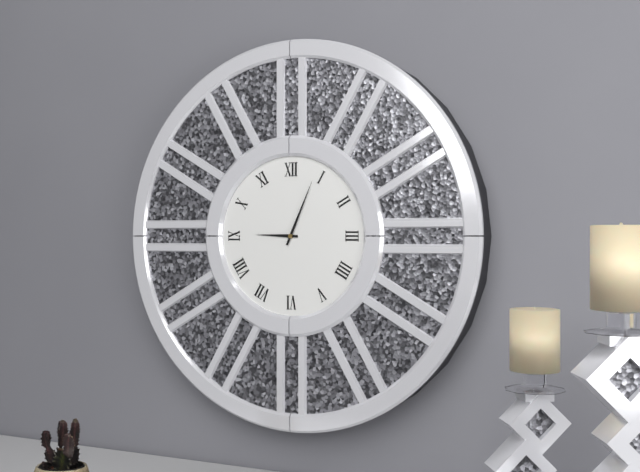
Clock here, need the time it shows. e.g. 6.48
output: 9.04
